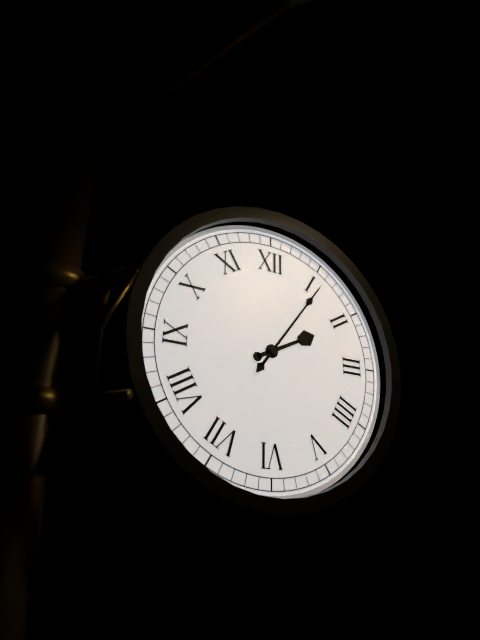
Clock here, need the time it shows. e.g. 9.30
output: 2.06
